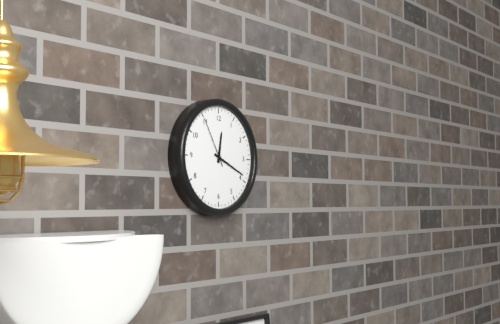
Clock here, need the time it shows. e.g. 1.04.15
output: 12.19.55
